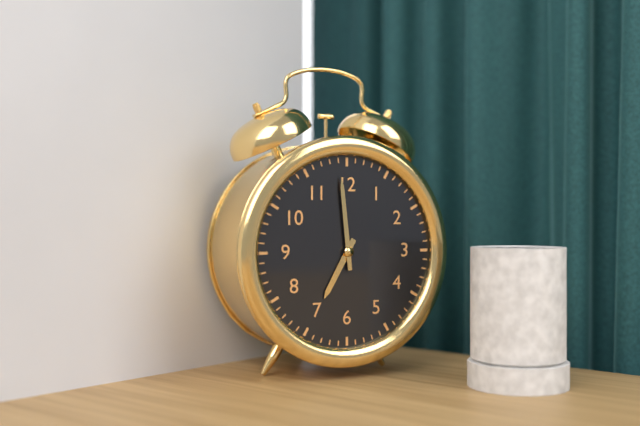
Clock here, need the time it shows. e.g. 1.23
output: 6.59
